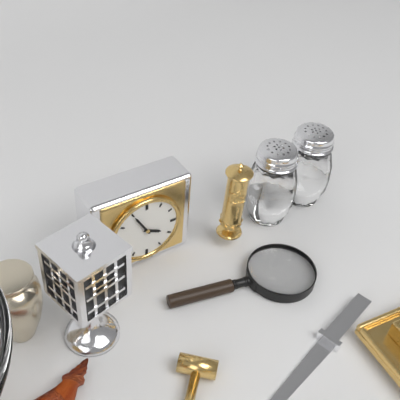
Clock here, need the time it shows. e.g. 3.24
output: 3.55
